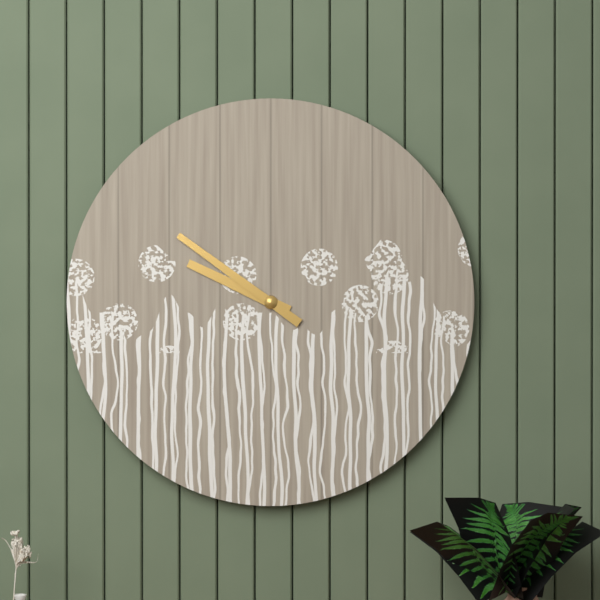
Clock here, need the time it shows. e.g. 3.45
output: 9.51
